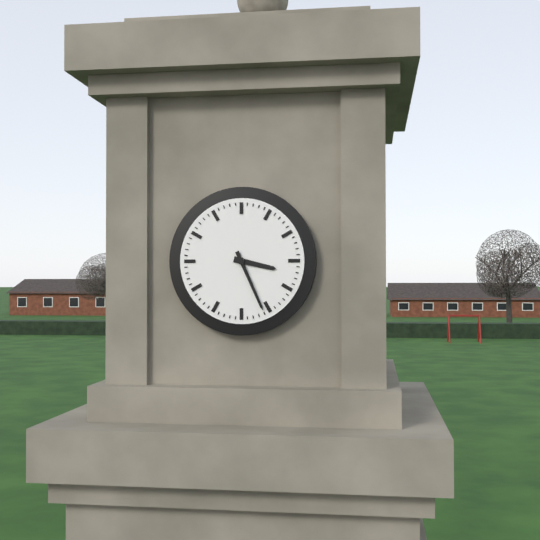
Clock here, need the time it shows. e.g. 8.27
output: 3.26
